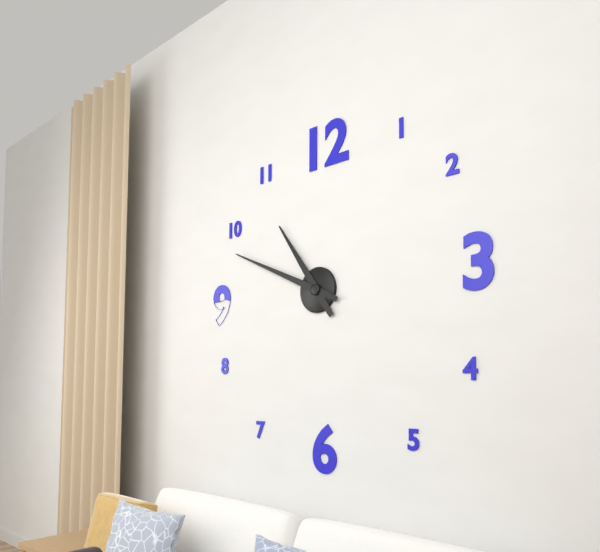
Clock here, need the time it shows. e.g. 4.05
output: 10.49
